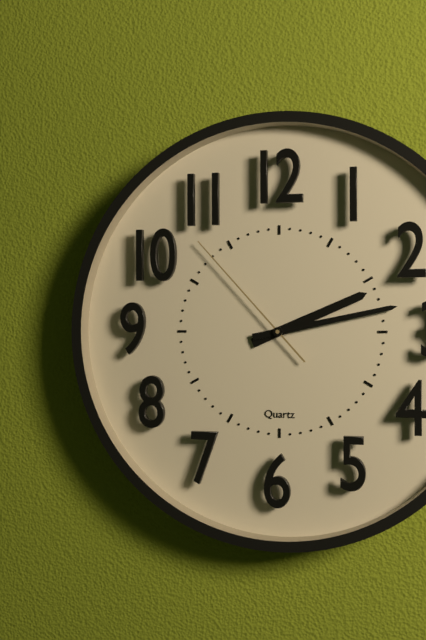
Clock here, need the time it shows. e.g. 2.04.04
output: 2.13.53
